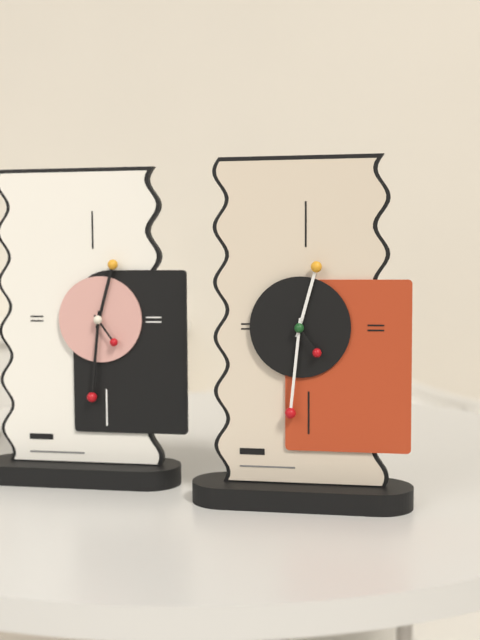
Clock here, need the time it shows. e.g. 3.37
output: 12.31
